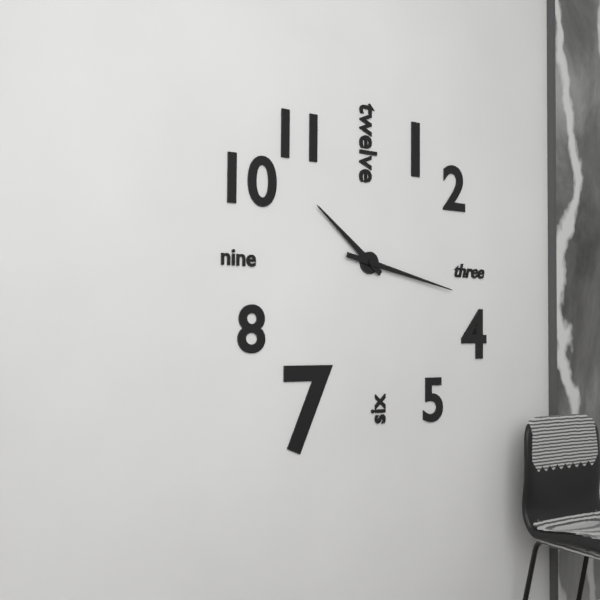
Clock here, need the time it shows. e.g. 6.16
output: 10.17
